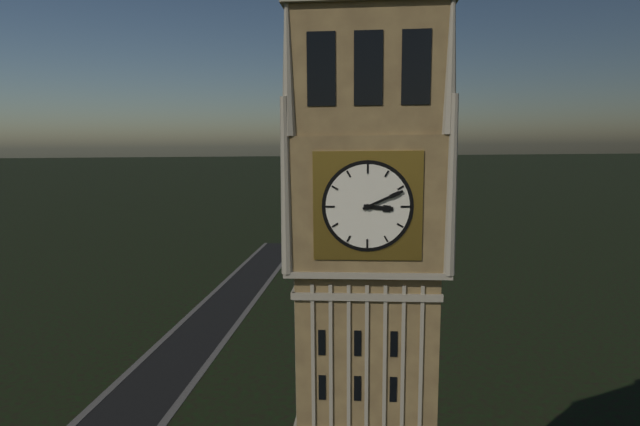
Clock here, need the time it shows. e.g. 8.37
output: 3.11
